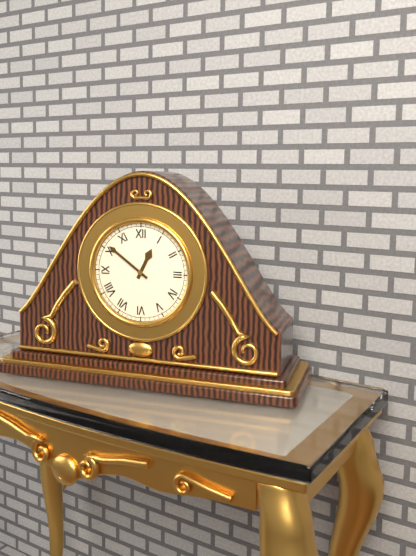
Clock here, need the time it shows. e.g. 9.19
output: 12.51
